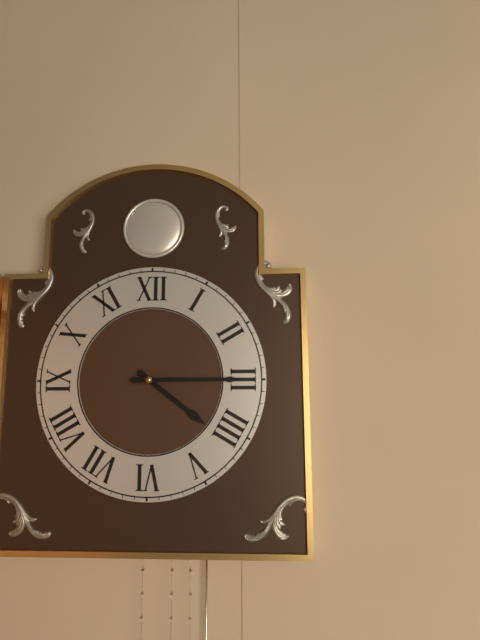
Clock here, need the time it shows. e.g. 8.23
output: 4.15
